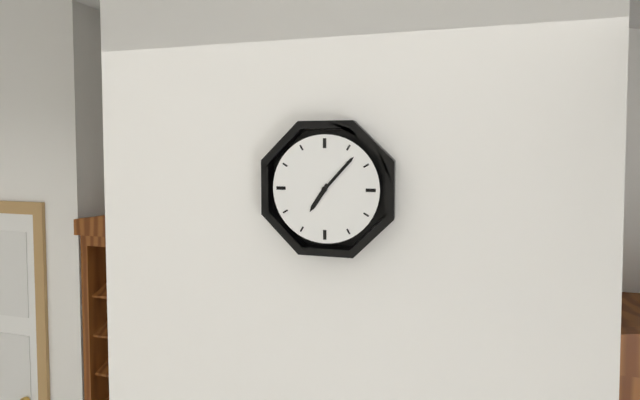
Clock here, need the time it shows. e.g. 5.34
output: 7.07
